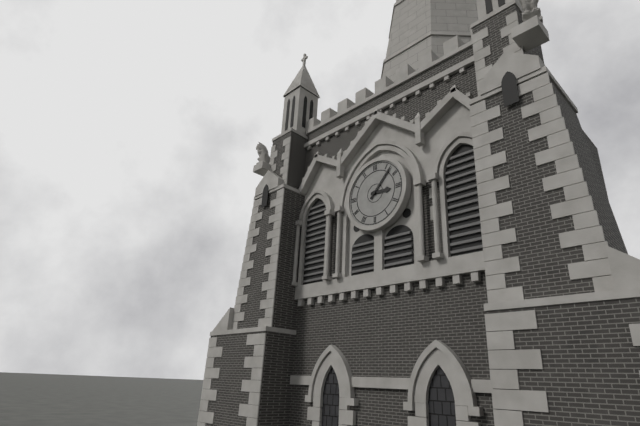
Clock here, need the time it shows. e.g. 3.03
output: 3.07
